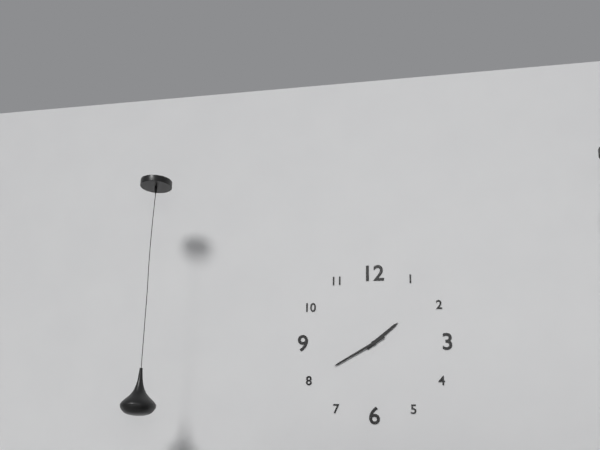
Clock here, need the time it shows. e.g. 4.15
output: 1.40
